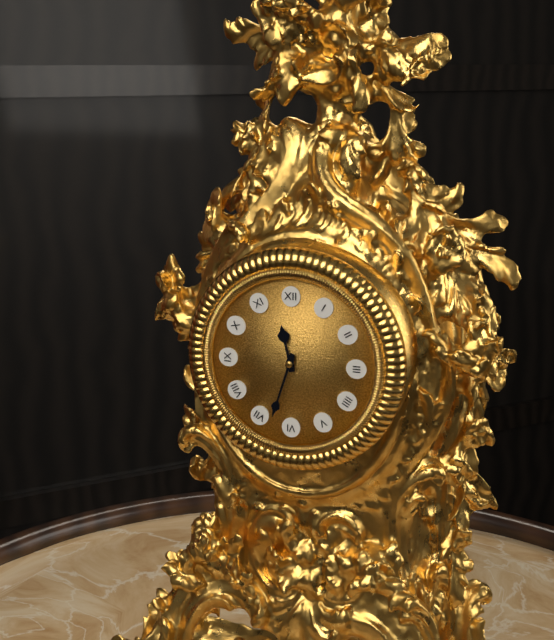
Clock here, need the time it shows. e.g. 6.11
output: 11.33
